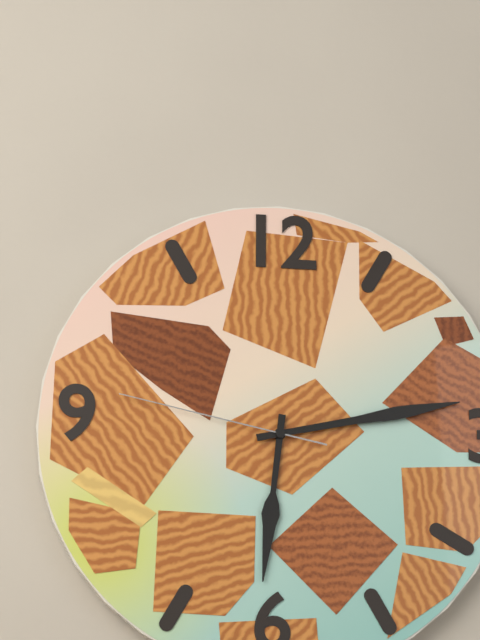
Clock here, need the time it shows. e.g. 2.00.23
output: 6.13.47
